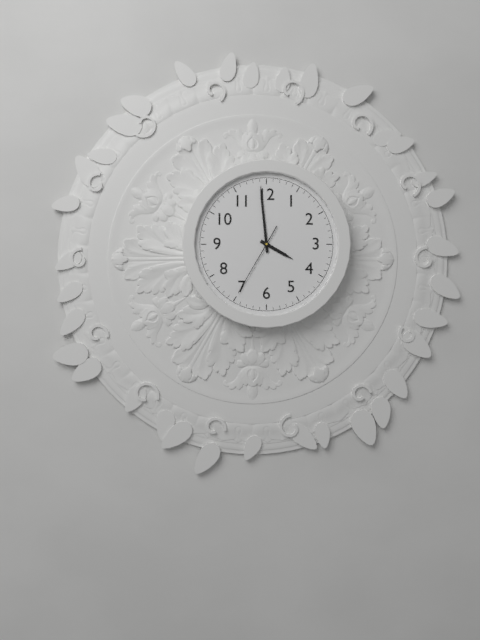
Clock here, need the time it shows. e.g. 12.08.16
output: 3.59.35
